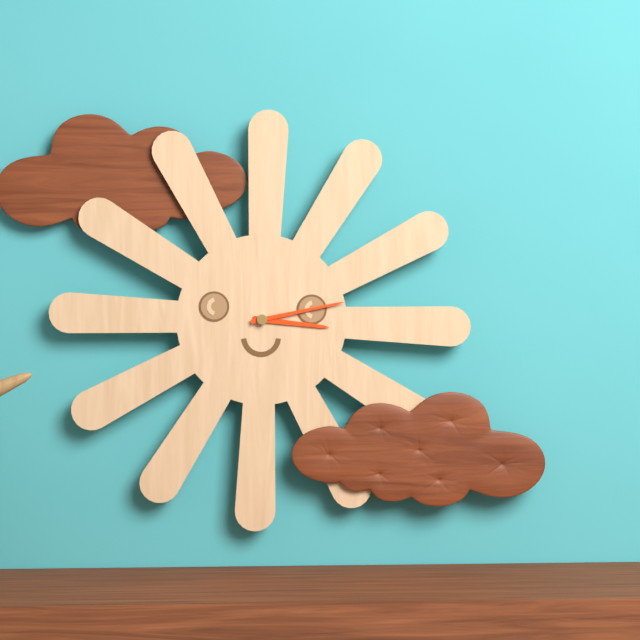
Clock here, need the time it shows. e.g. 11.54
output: 3.13
